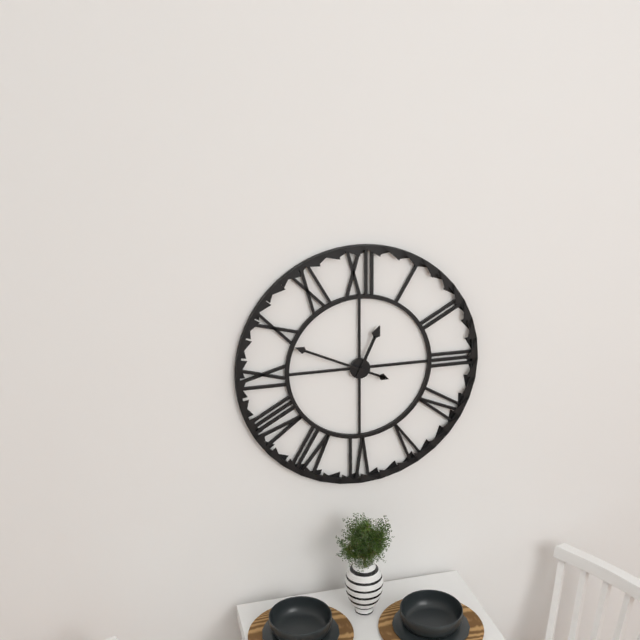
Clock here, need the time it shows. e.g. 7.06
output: 12.49
